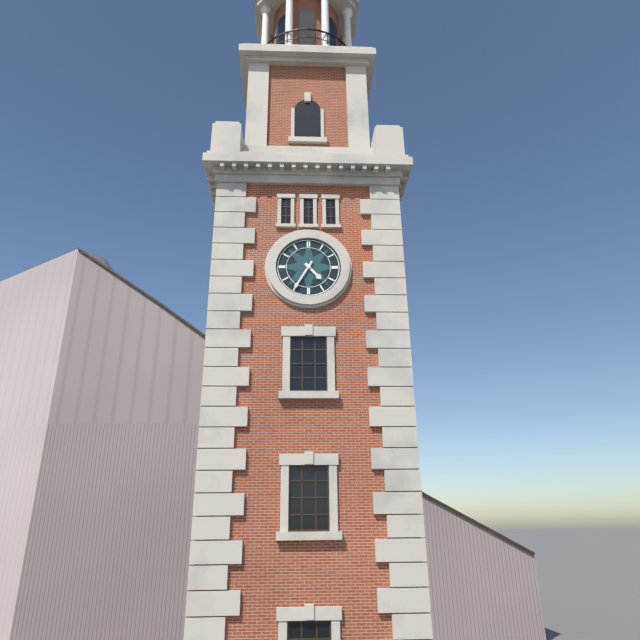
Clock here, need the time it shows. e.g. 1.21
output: 4.35
